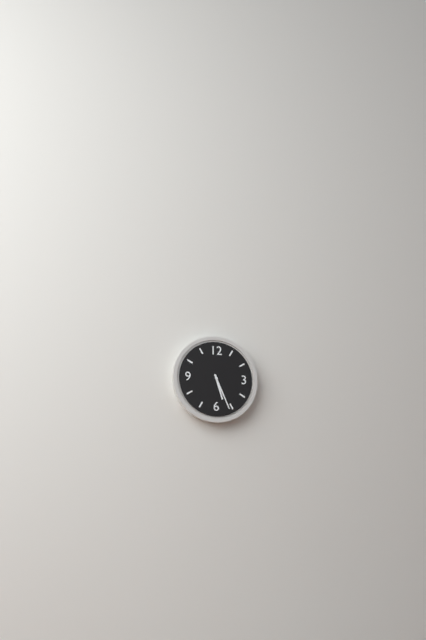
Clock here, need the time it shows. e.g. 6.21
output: 5.26
